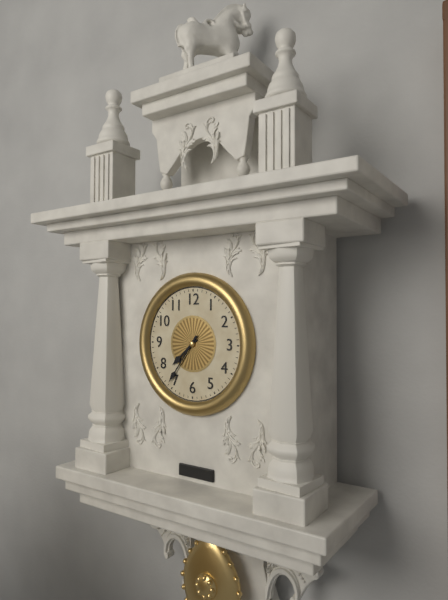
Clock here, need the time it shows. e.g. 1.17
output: 7.36
